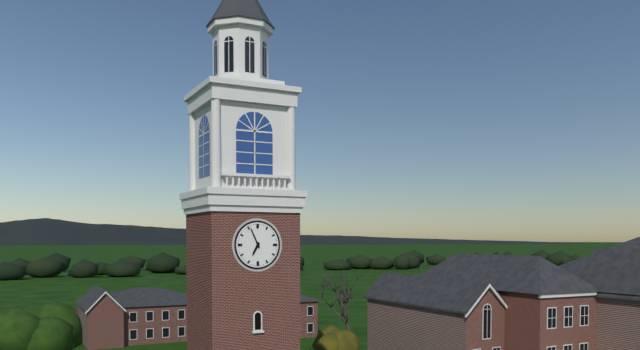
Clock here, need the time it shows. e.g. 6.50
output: 6.56
